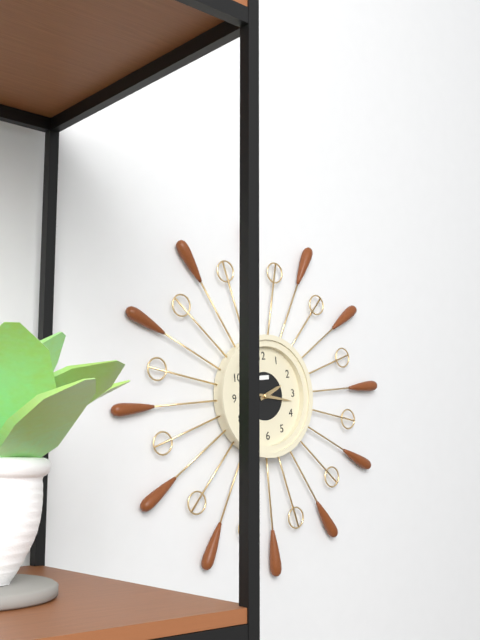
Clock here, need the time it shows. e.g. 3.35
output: 2.17
